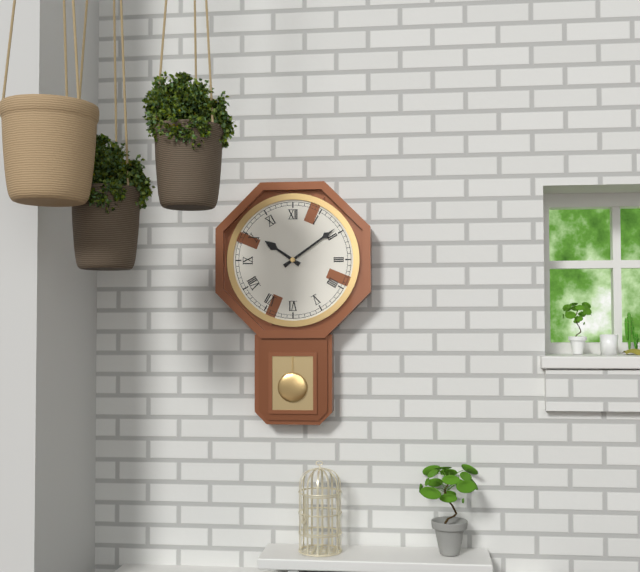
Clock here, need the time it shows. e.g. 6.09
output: 10.09
